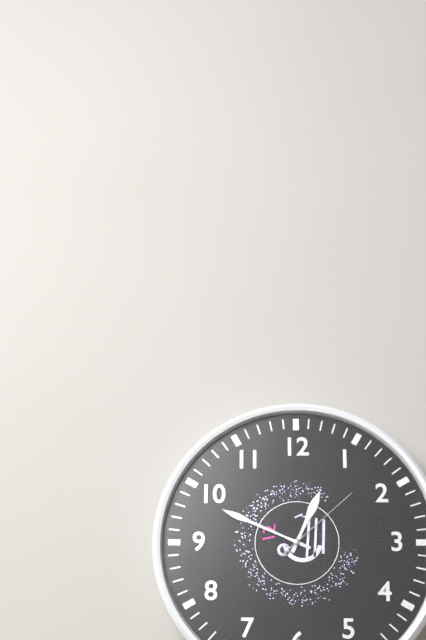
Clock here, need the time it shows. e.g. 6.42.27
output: 12.49.08
